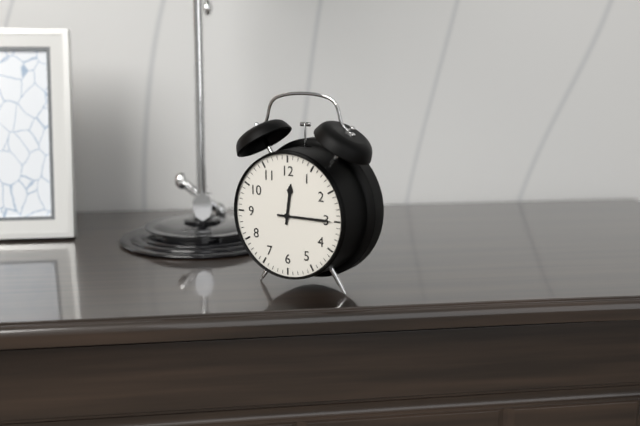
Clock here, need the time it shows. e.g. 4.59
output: 12.15
